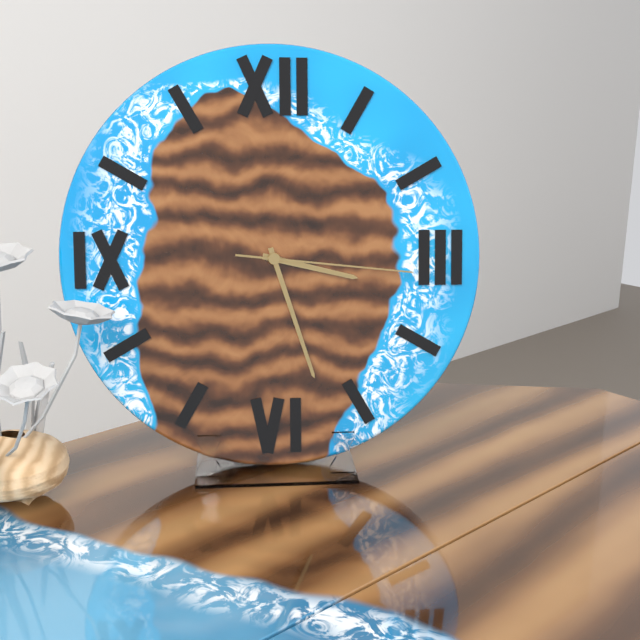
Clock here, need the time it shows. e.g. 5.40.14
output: 3.27.16
